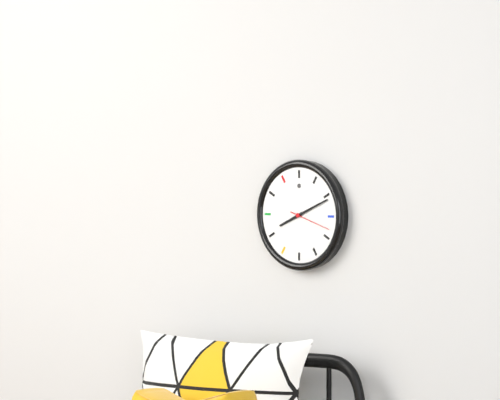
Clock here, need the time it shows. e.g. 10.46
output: 8.11
